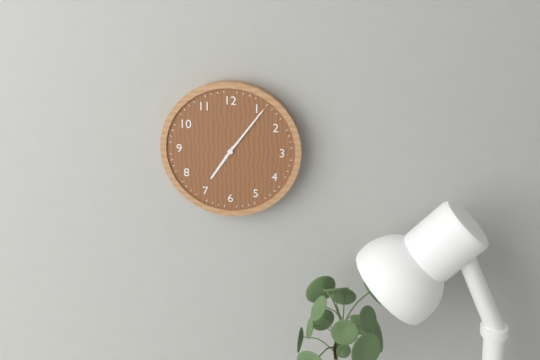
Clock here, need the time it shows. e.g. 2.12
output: 7.06
